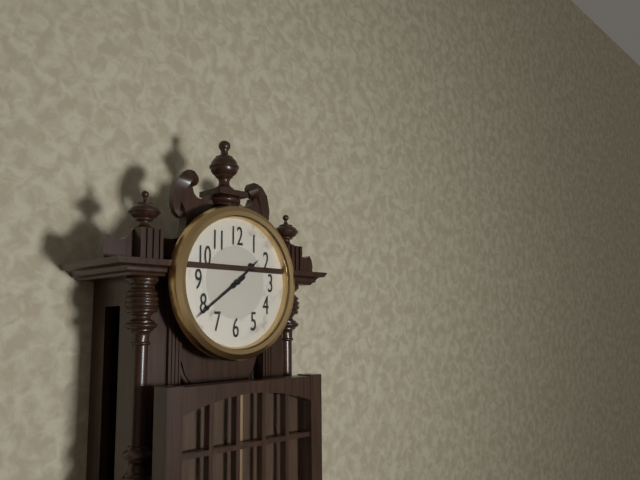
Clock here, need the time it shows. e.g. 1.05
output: 1.39
